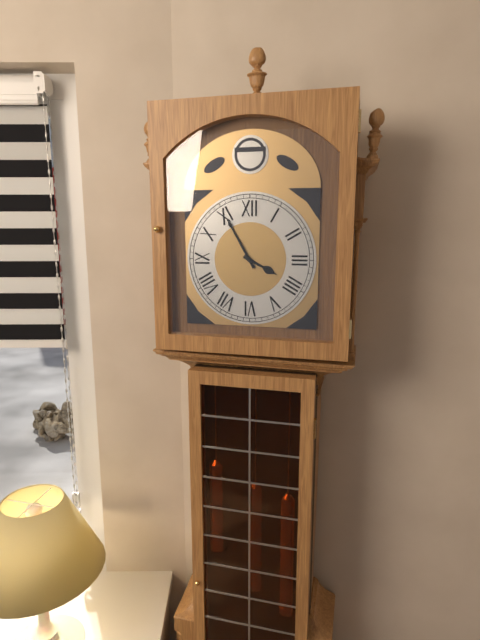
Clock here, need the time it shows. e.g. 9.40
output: 3.55
